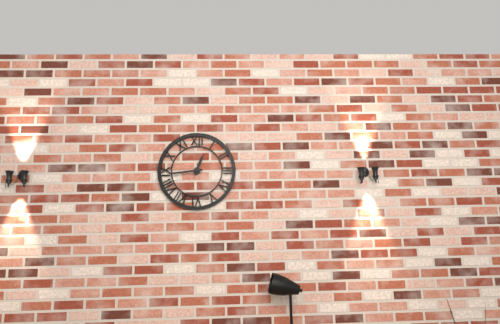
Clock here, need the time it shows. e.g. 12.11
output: 12.44
